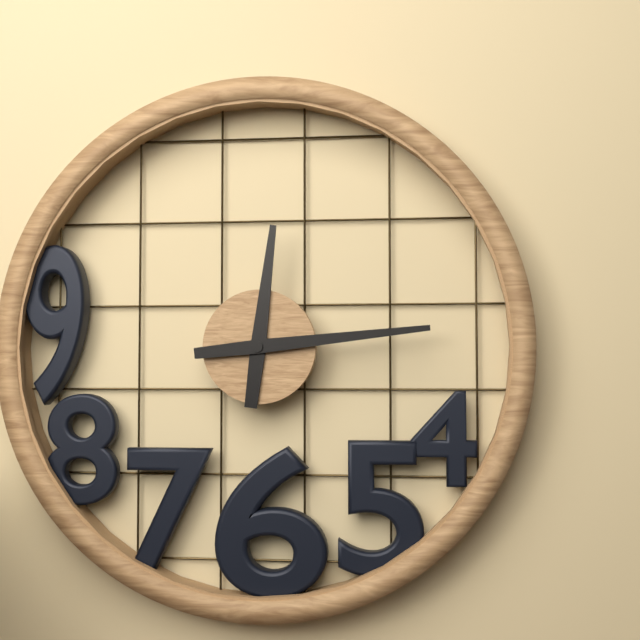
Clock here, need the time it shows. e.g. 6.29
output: 12.14
